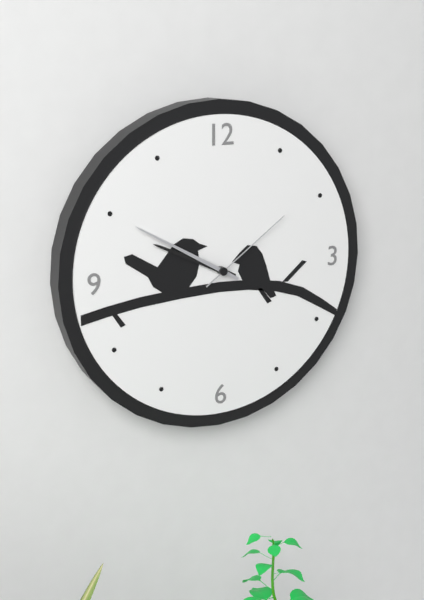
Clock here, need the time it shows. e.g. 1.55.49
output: 9.50.09
